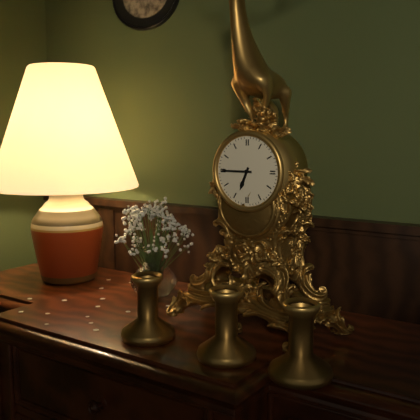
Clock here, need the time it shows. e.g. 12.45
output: 6.45
